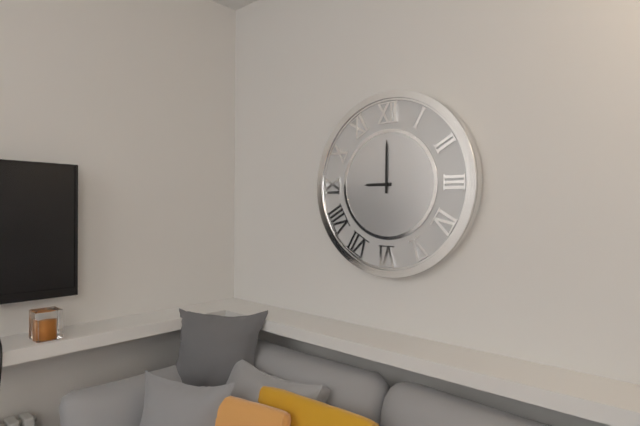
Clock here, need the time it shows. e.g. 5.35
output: 9.00
